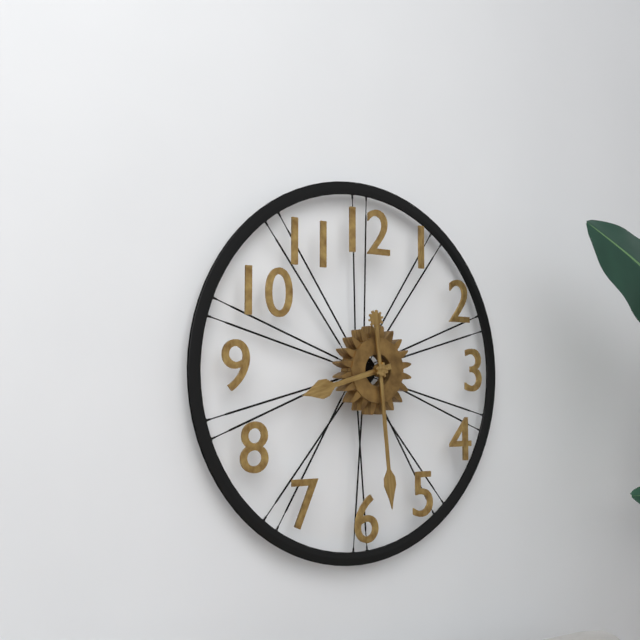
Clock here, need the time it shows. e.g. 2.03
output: 8.29
